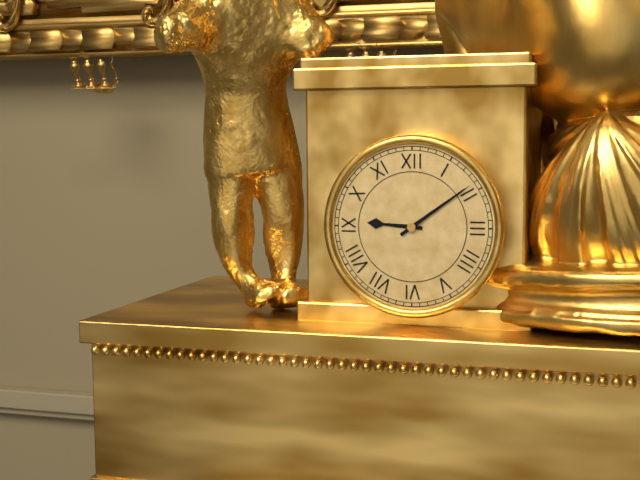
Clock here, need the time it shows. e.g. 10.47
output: 9.09
